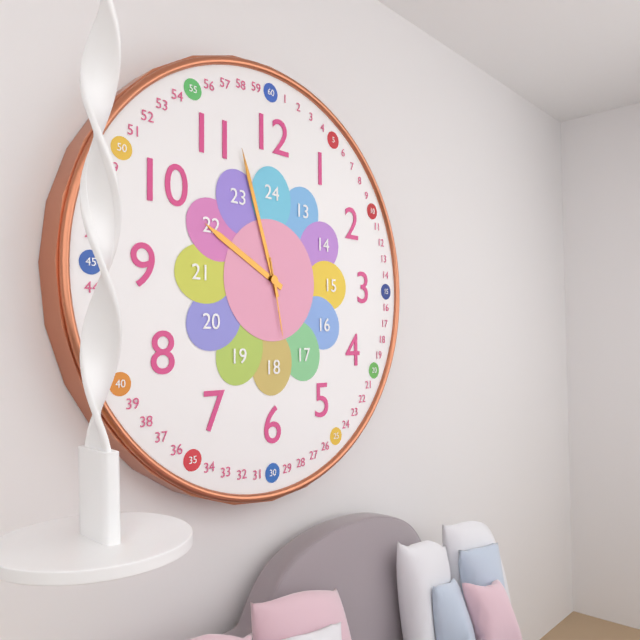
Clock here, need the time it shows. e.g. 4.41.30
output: 9.57.28
